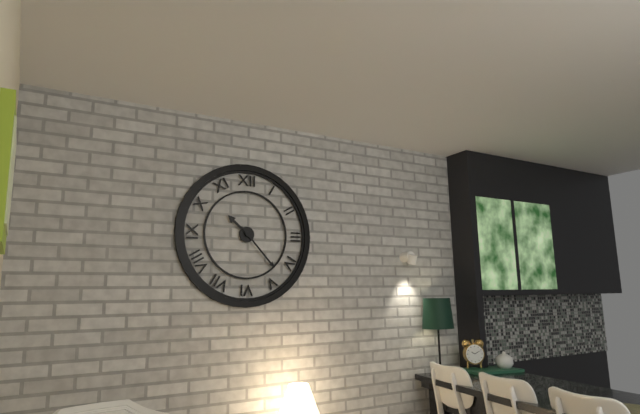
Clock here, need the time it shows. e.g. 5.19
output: 10.23
